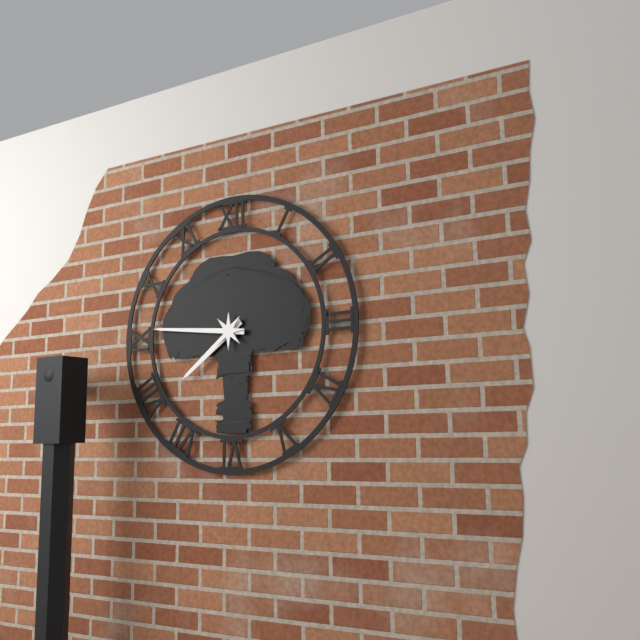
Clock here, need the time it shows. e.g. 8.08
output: 7.46
